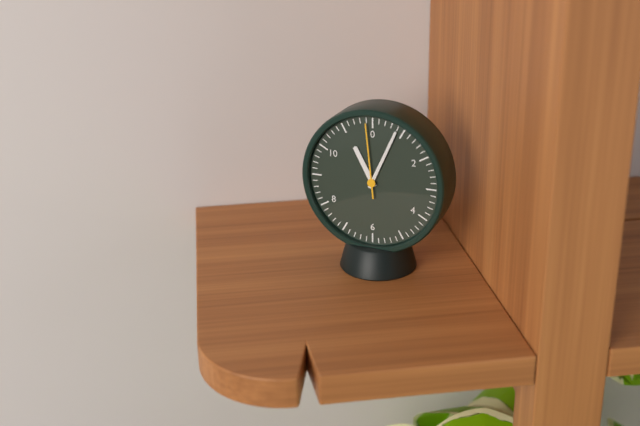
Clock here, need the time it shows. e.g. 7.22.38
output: 11.04.59
